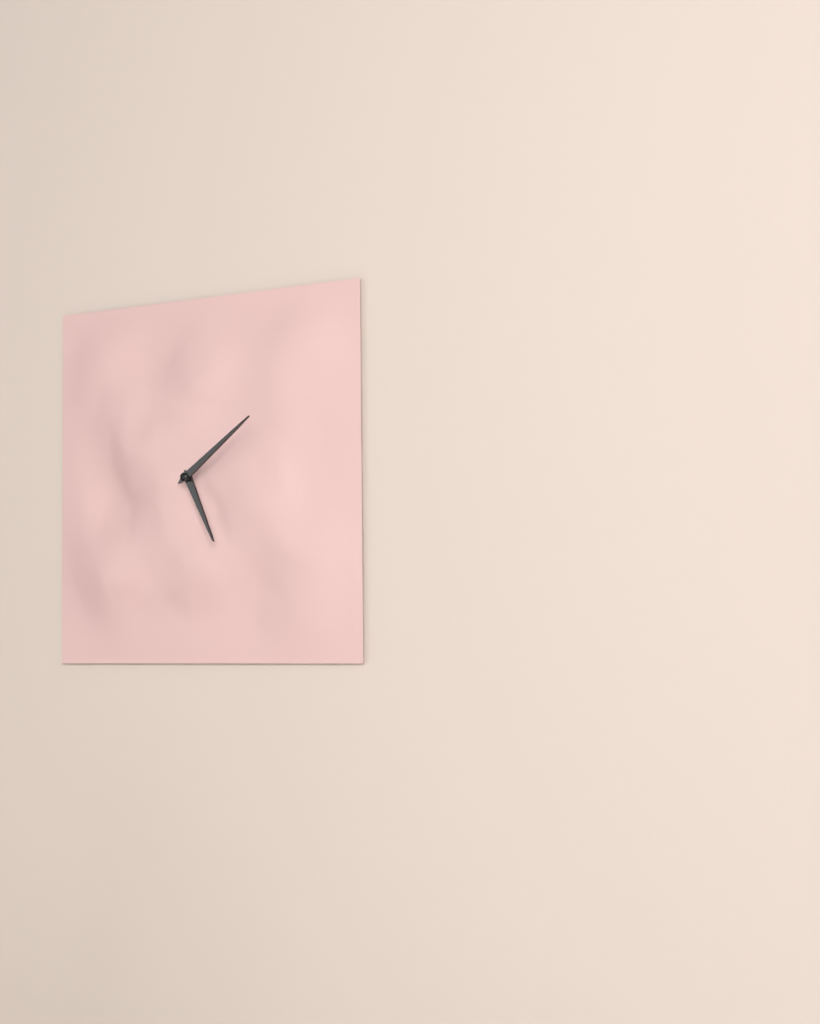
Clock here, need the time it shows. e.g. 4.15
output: 5.09
